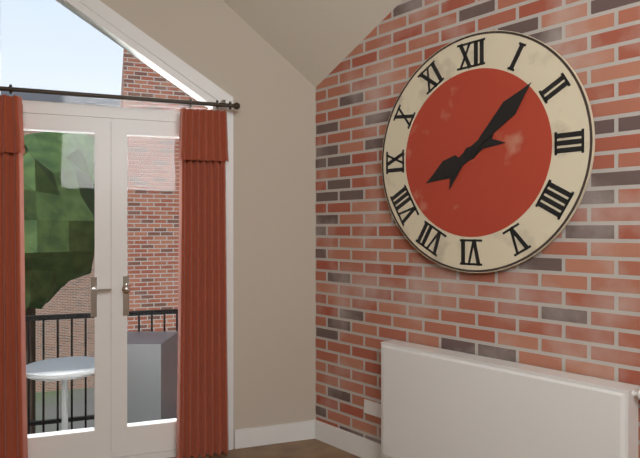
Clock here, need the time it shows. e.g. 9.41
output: 8.08
